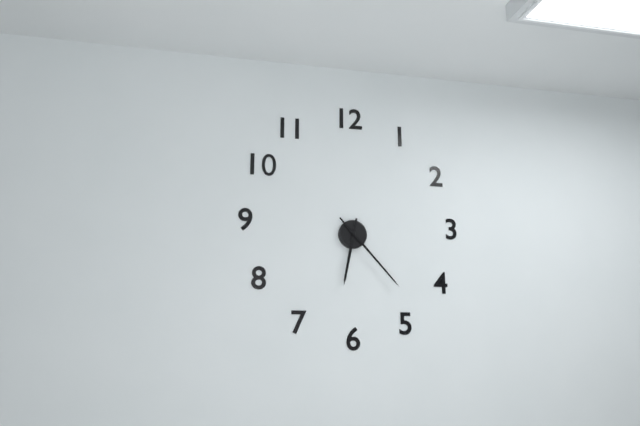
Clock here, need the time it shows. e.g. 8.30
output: 6.23
